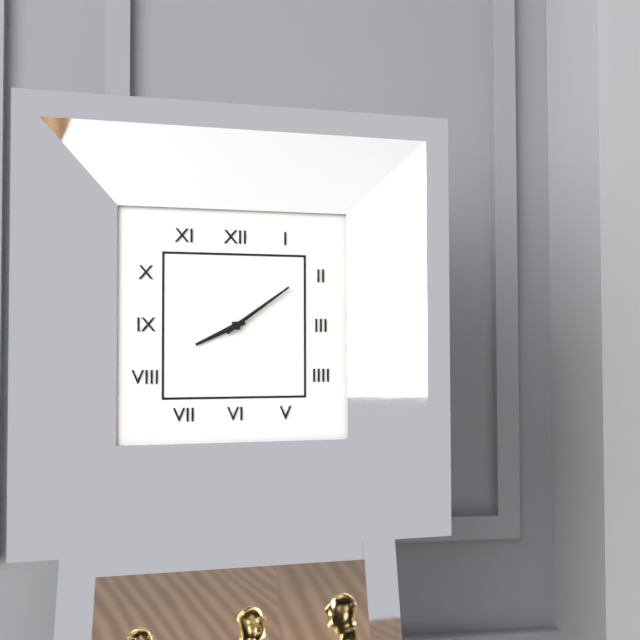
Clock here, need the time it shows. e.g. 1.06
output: 8.09
